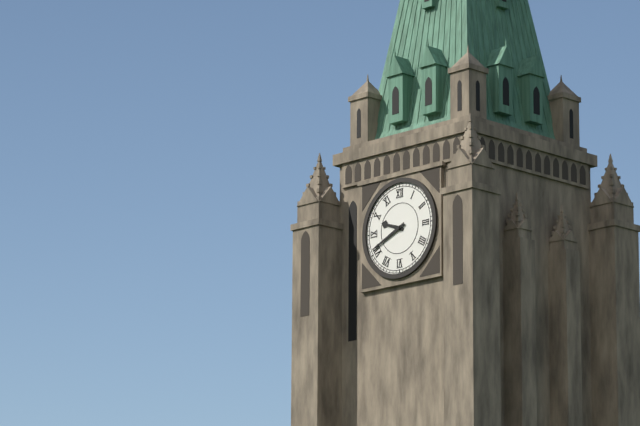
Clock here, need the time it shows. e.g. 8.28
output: 9.41
